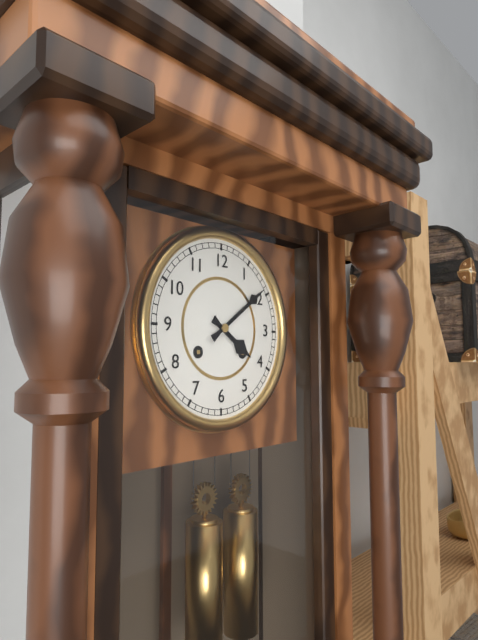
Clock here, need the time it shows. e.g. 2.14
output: 4.09
